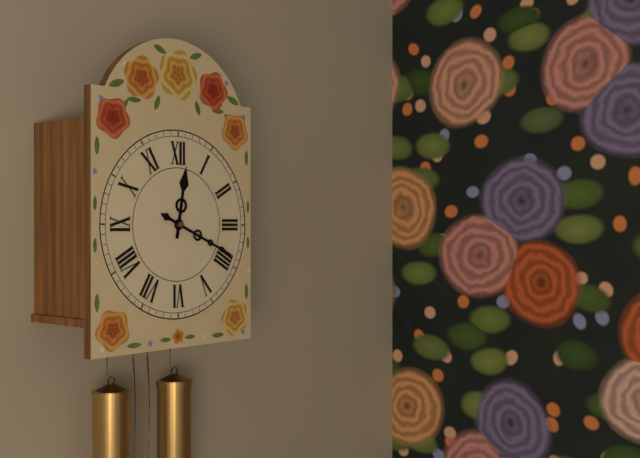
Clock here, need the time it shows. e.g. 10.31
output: 12.19
